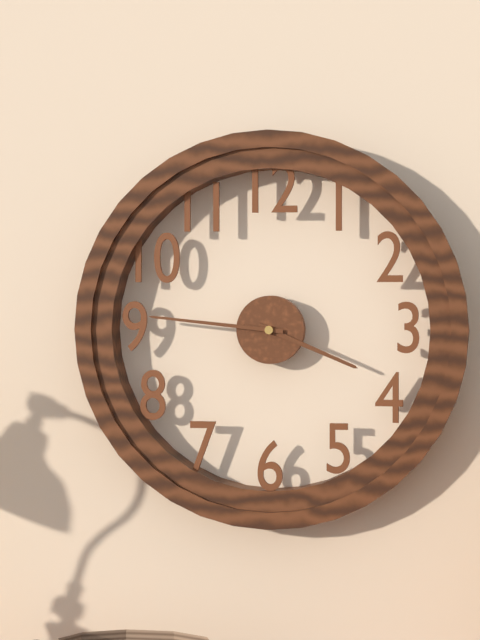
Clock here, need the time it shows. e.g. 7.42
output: 3.46
